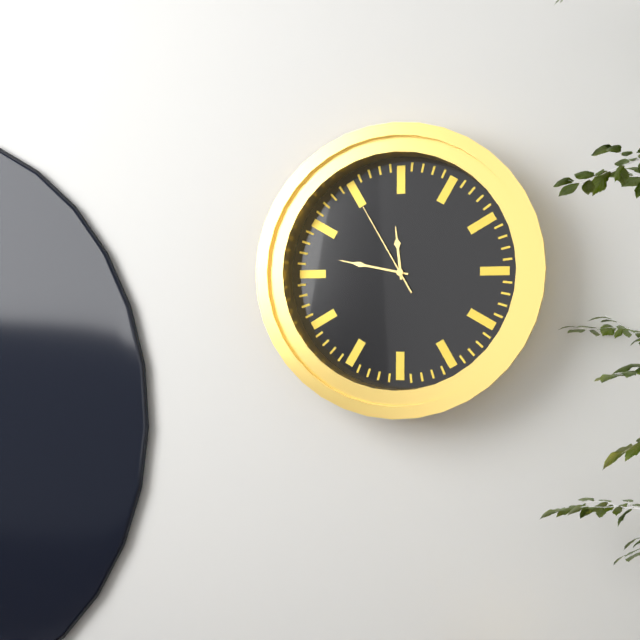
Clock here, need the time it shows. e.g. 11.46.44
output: 11.47.55
